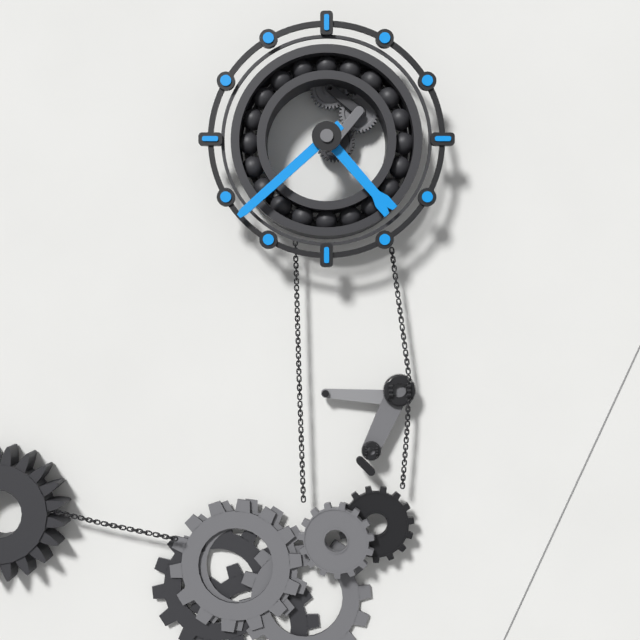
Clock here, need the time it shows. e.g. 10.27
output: 4.38
